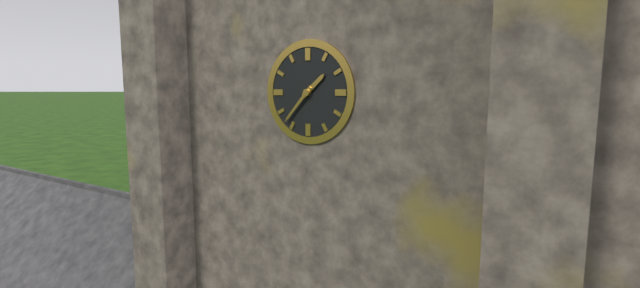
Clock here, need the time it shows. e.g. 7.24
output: 1.37
